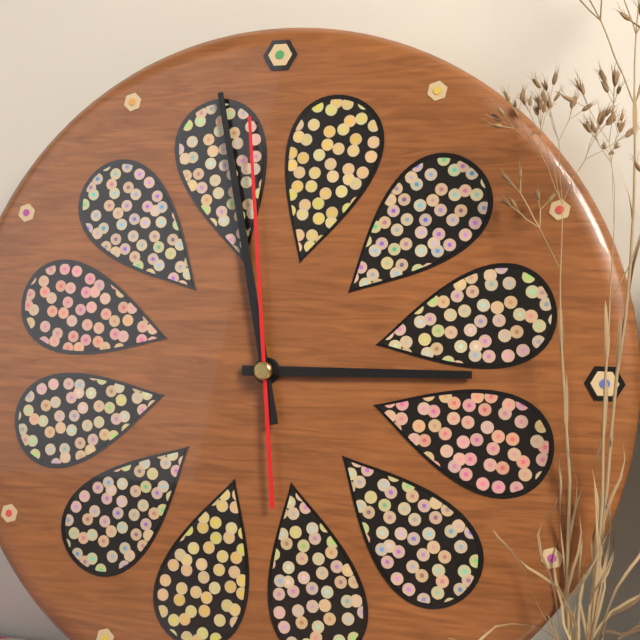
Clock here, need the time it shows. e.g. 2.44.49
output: 2.58.59
